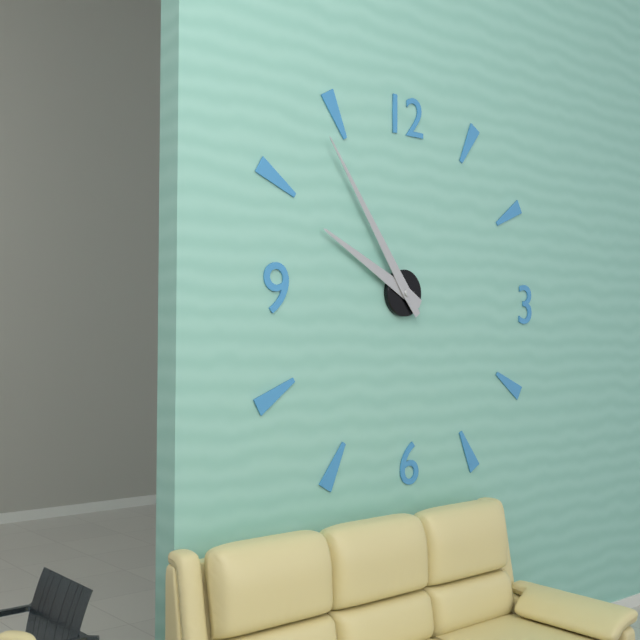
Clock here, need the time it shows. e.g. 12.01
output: 9.54
